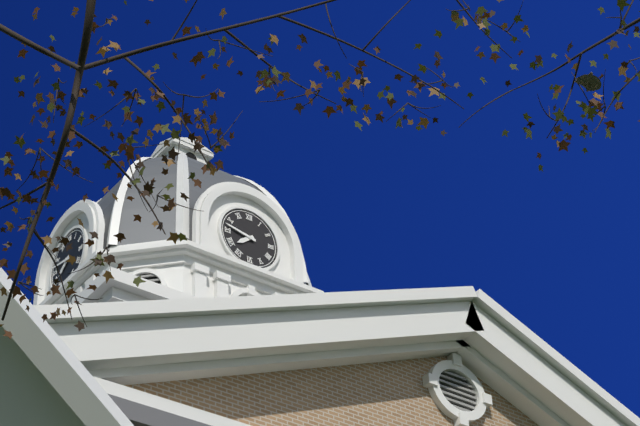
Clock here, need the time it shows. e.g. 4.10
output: 7.47
